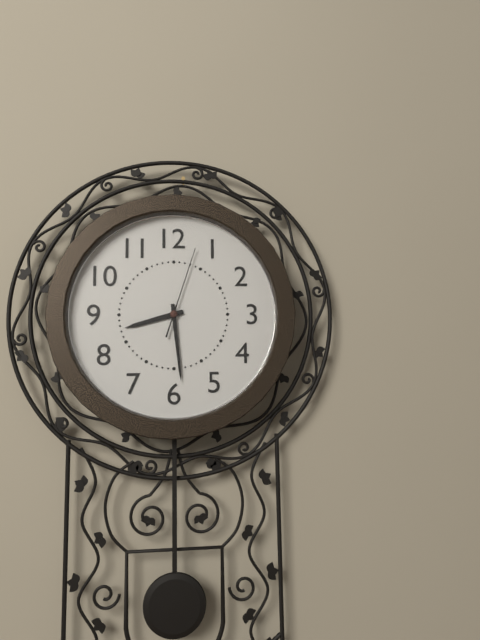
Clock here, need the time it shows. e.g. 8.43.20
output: 8.29.03
